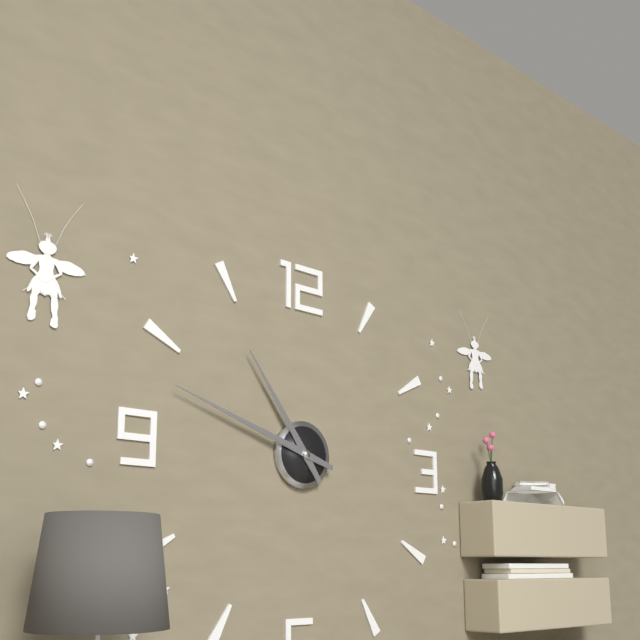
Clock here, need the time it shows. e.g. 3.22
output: 10.48
